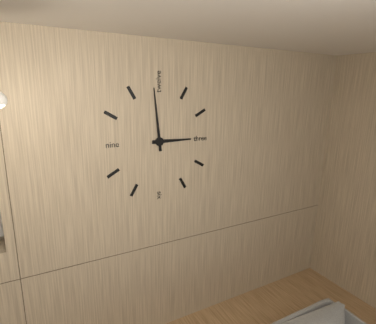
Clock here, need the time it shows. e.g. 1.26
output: 2.59
